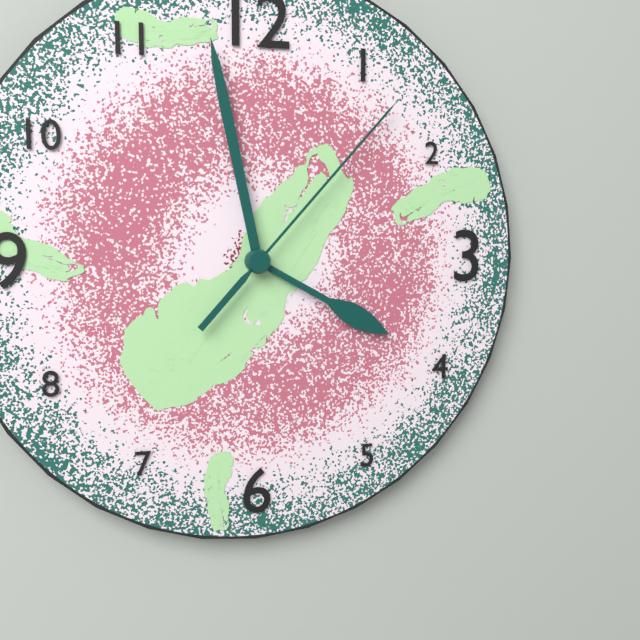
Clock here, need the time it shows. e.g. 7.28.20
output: 3.58.07
